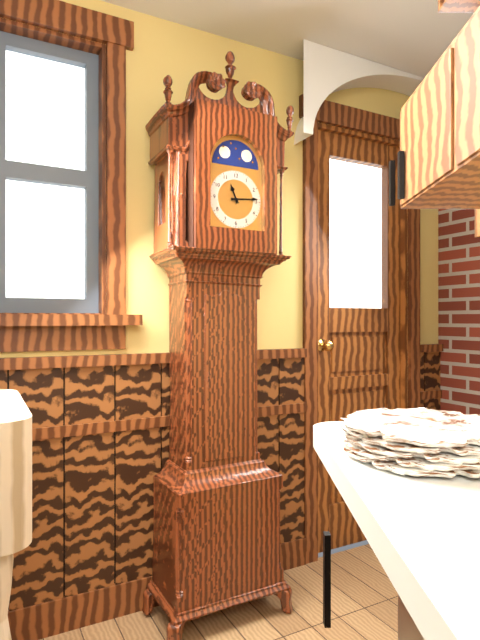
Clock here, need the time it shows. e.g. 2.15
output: 11.14
